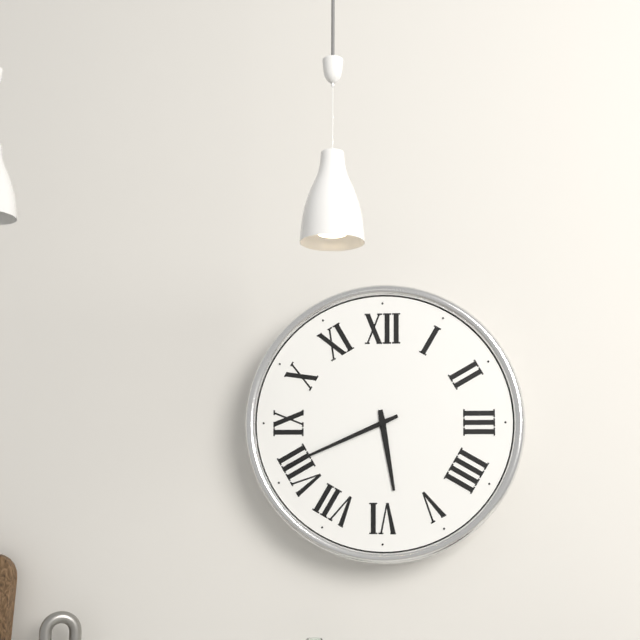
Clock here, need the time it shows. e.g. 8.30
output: 5.41
